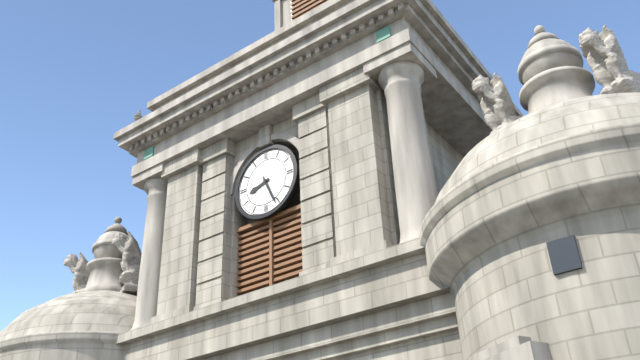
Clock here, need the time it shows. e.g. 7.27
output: 8.26
